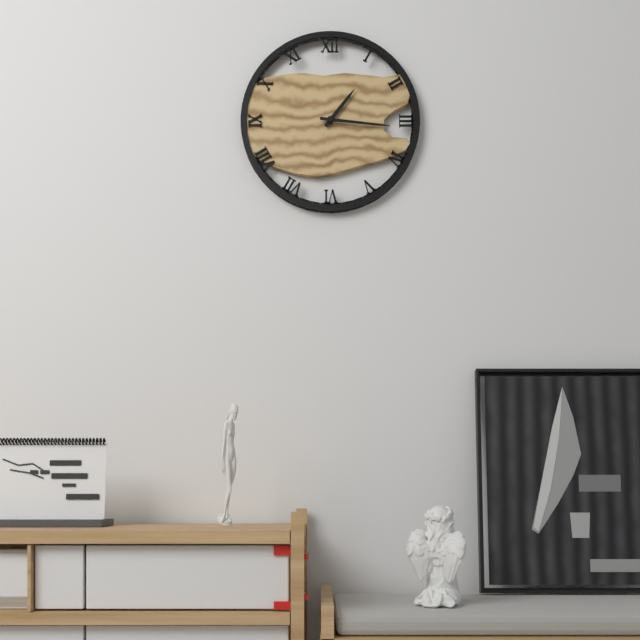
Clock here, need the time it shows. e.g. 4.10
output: 1.16
